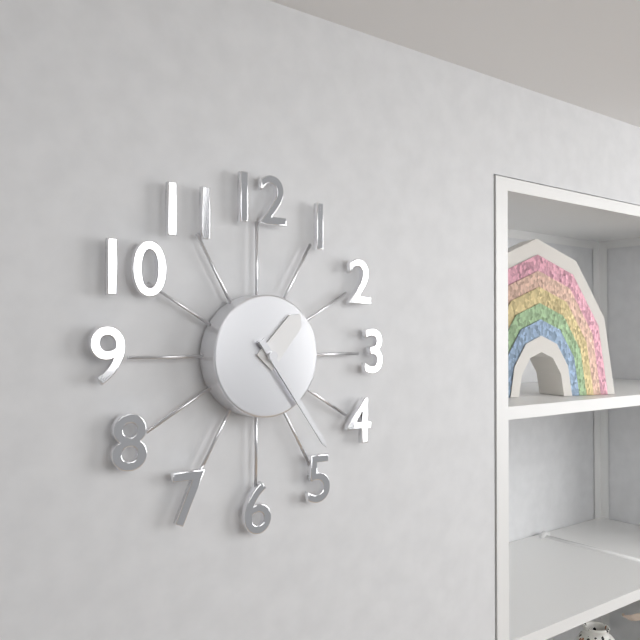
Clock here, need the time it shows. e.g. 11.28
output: 1.24
